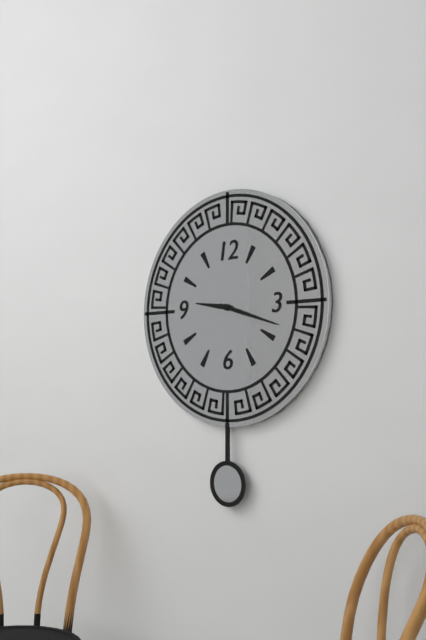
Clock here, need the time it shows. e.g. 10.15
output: 9.18
